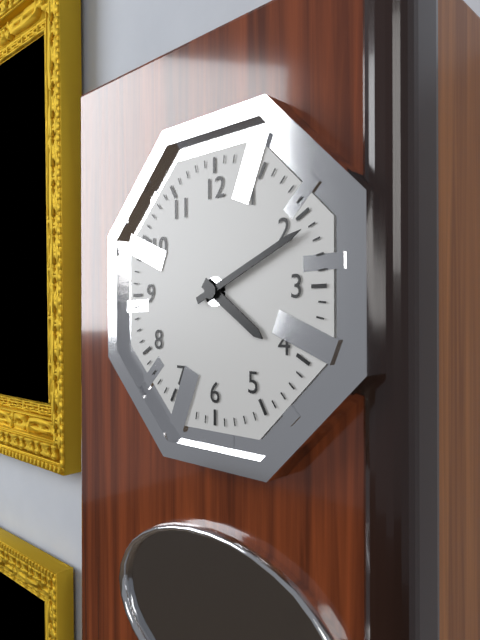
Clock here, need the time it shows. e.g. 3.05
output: 4.11
